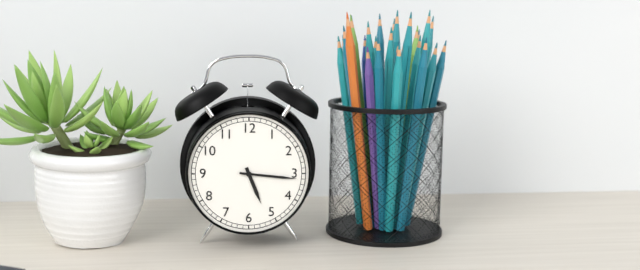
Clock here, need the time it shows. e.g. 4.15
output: 5.16
